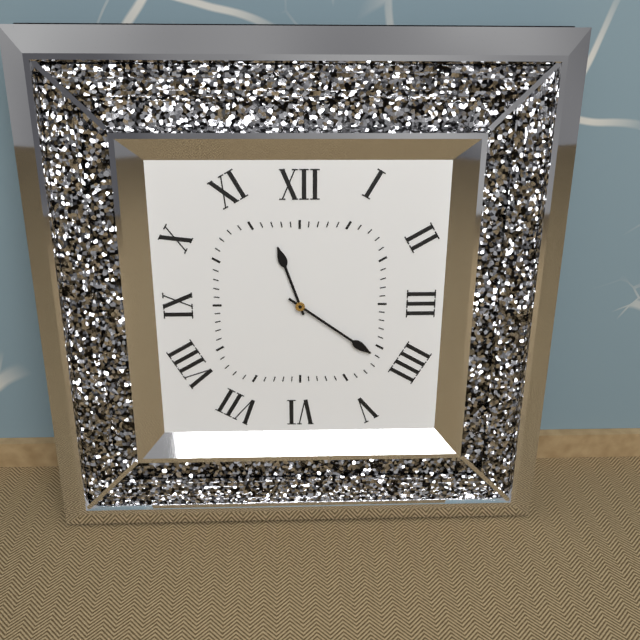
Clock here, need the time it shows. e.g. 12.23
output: 11.21
